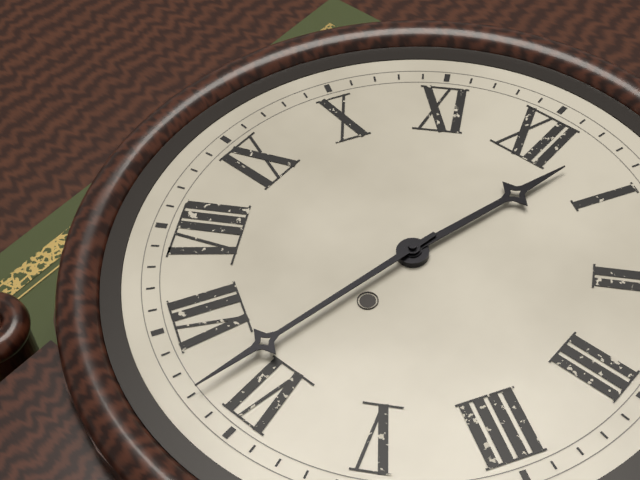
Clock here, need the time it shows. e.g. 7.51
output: 12.32
